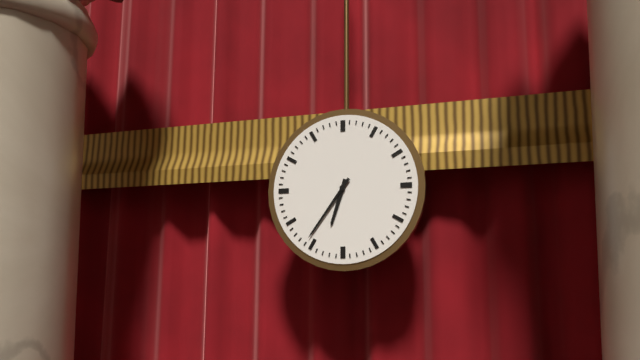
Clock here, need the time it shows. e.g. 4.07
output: 6.36
